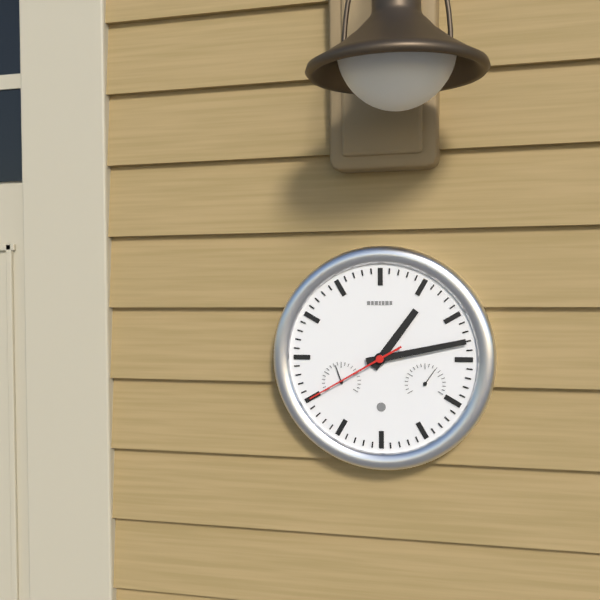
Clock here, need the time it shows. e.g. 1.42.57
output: 1.13.40
